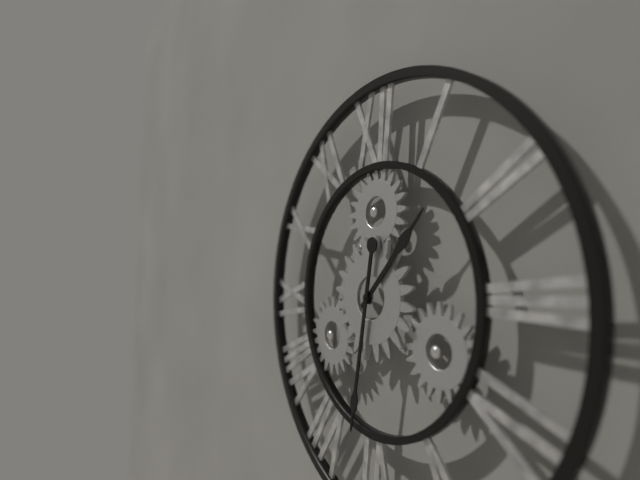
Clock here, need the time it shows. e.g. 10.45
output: 1.32
